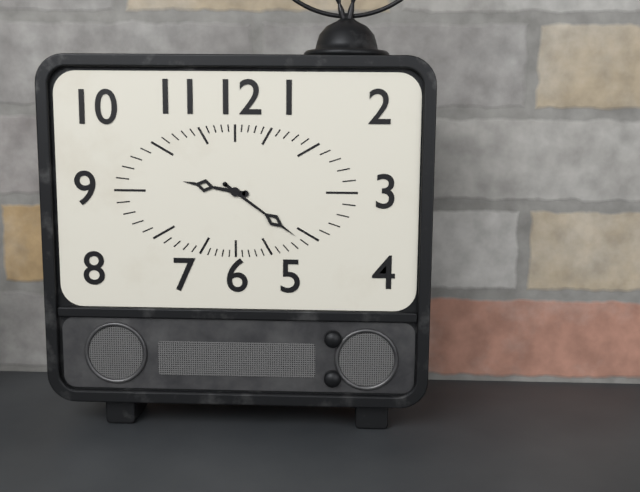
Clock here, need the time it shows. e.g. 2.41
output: 9.21
